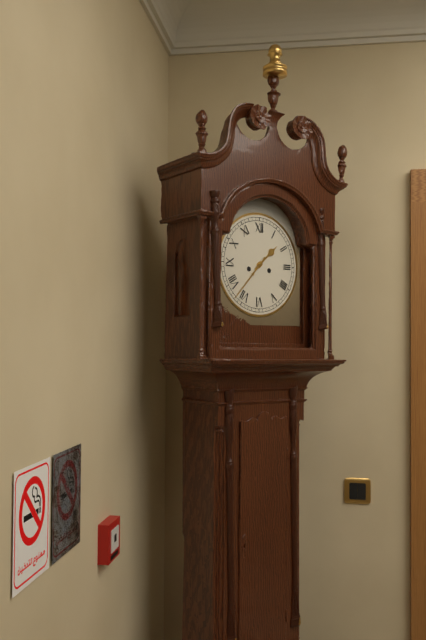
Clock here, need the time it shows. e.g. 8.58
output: 1.37
